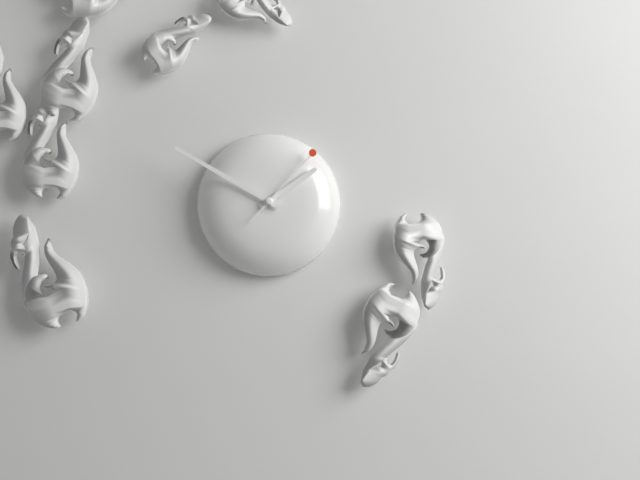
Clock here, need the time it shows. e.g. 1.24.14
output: 1.50.07
